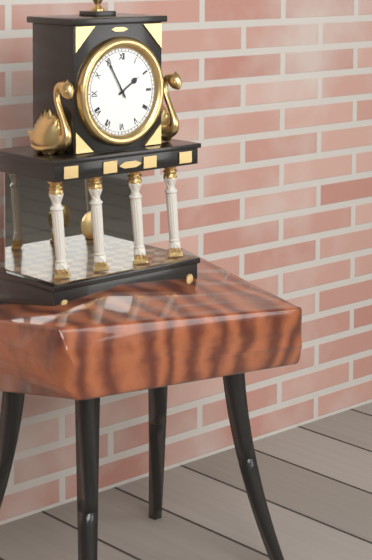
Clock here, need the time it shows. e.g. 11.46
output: 1.55
